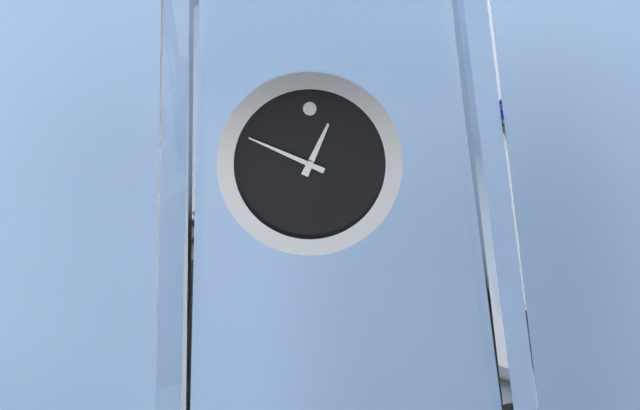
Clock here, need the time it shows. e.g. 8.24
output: 12.49
